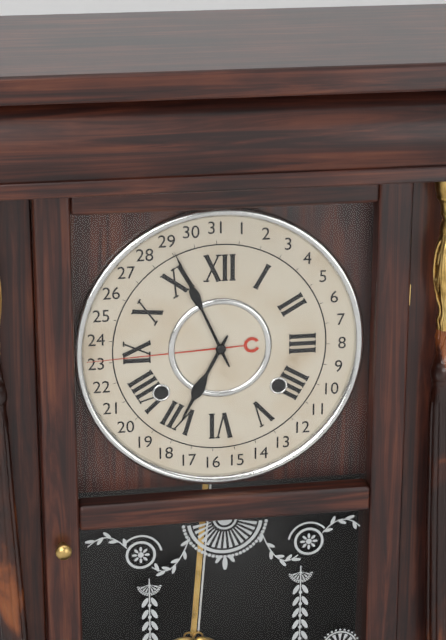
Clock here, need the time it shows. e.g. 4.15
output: 6.56
